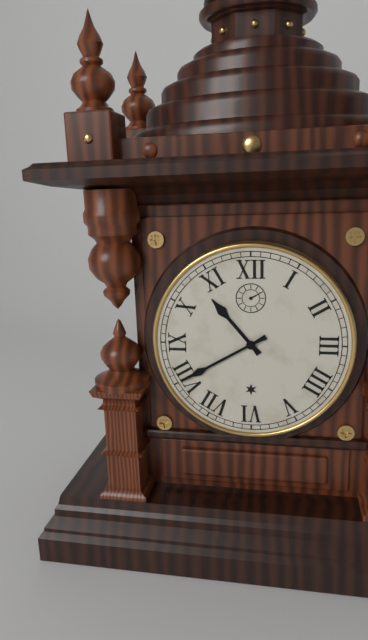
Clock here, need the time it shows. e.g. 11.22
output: 10.40
